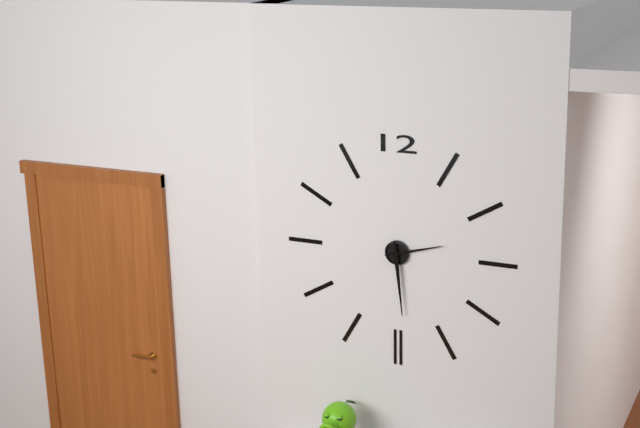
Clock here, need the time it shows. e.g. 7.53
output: 2.29
